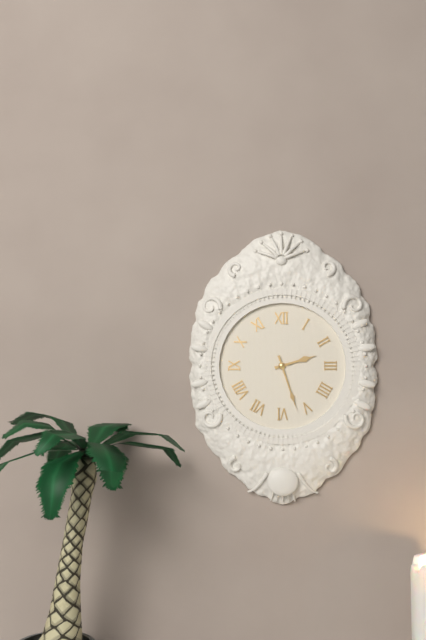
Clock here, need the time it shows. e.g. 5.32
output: 2.27
